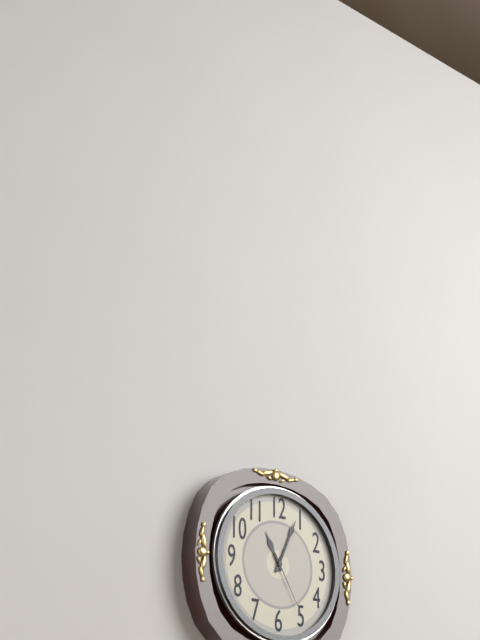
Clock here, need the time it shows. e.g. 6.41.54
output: 11.04.25
